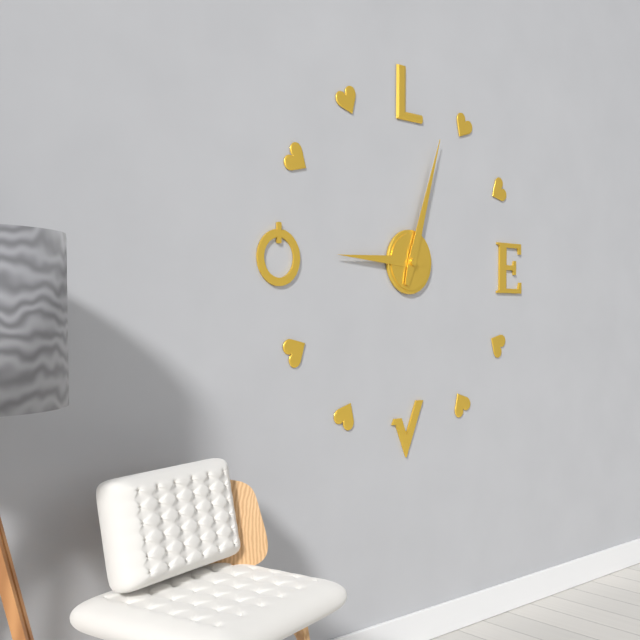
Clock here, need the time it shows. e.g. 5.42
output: 9.03
